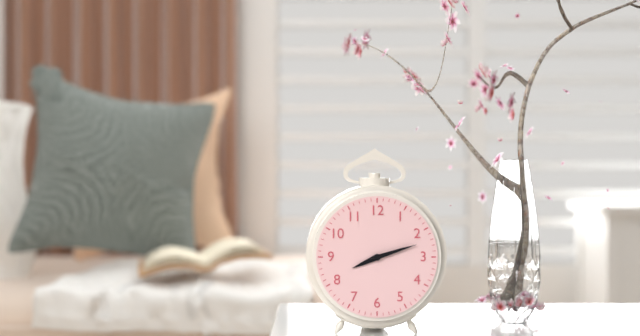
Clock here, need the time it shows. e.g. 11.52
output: 8.12
